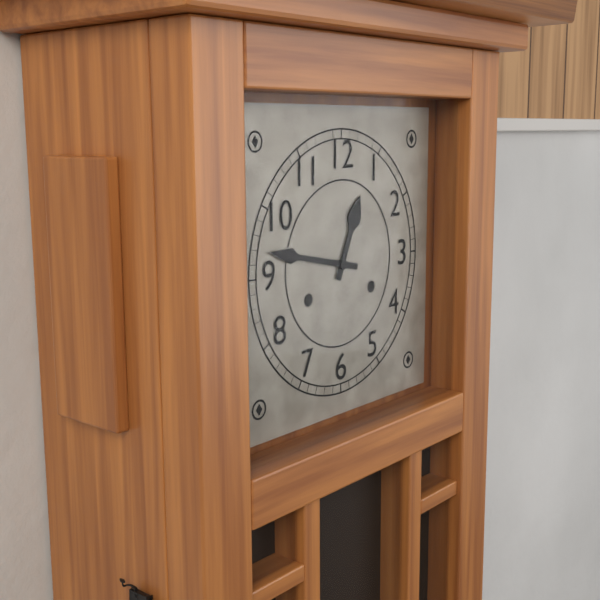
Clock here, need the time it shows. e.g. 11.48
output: 12.47
